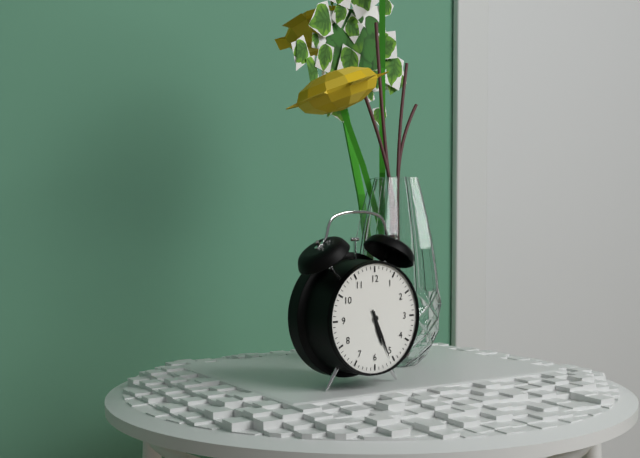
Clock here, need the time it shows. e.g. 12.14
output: 5.26
